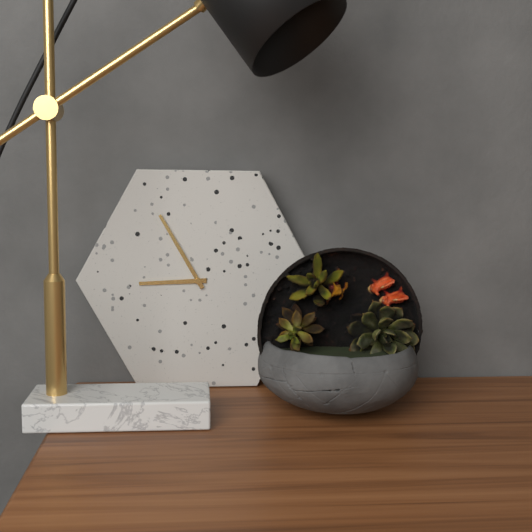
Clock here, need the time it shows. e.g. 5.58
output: 8.55
